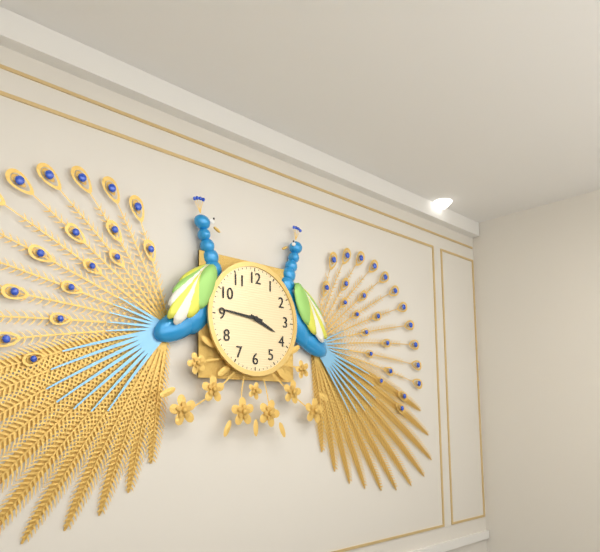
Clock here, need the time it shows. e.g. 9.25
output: 3.46
